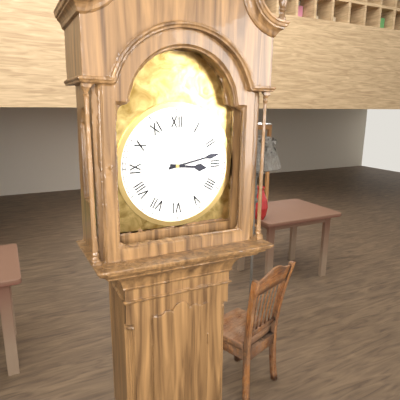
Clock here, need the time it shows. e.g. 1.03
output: 3.13
